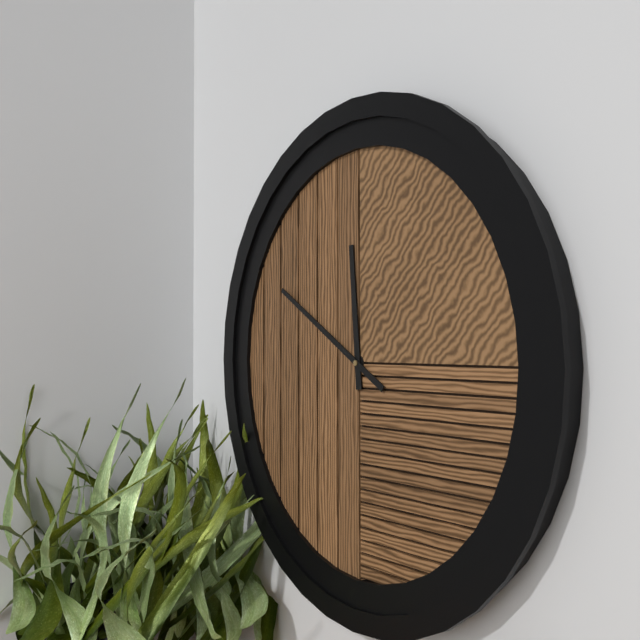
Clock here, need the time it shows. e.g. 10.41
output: 11.50
